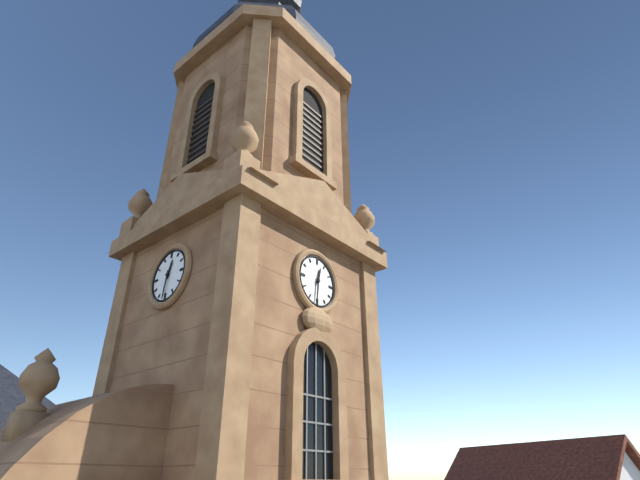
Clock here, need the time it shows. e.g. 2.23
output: 12.31
